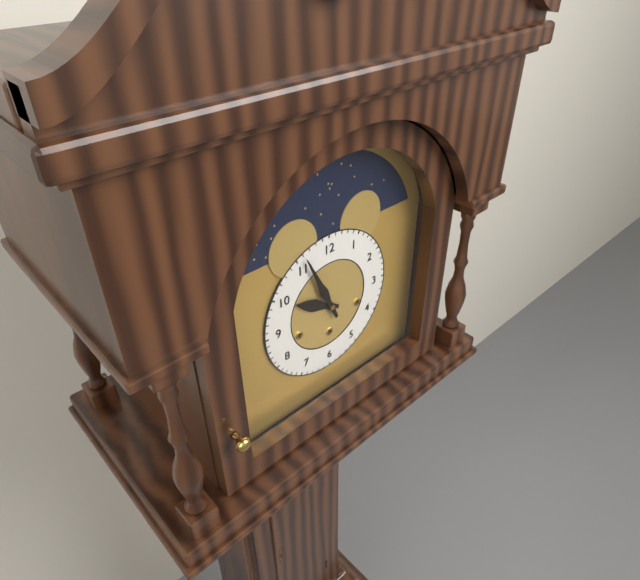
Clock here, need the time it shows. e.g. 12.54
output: 9.56
